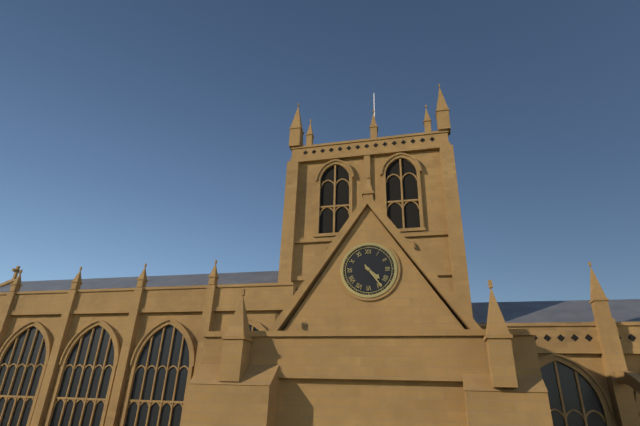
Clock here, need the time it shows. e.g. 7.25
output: 4.24
